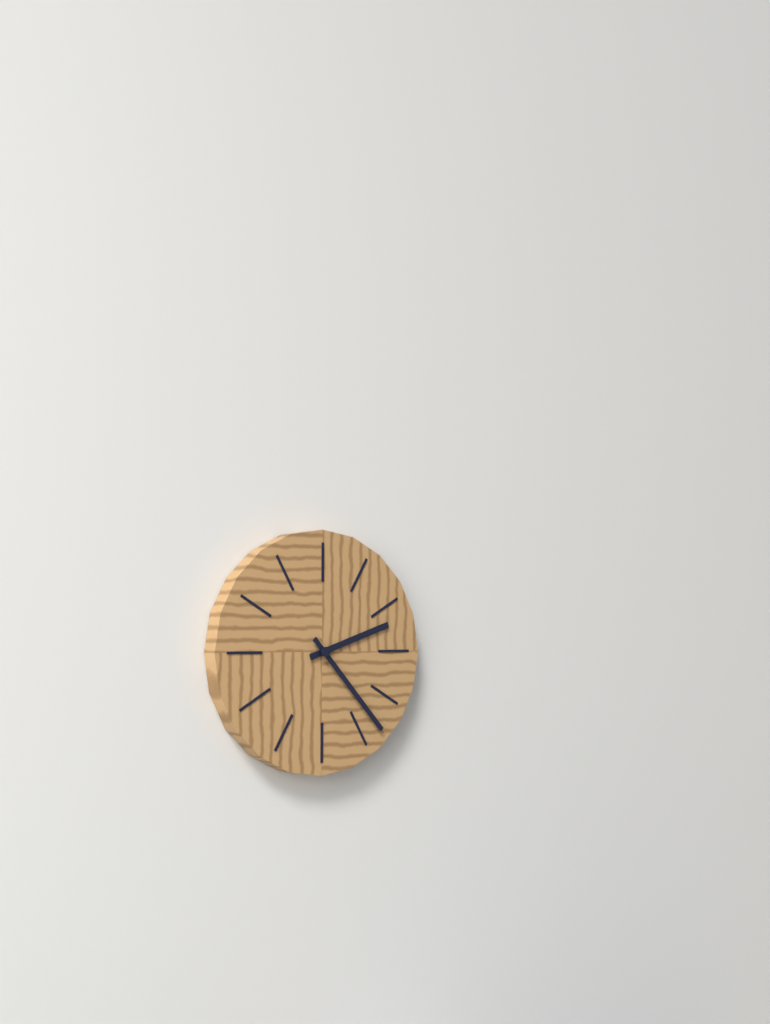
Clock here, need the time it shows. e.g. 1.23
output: 2.23
